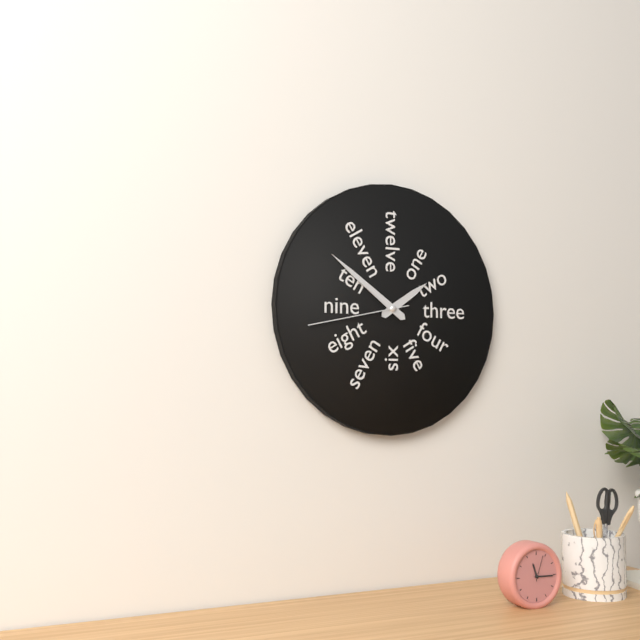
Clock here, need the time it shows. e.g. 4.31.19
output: 1.51.43
